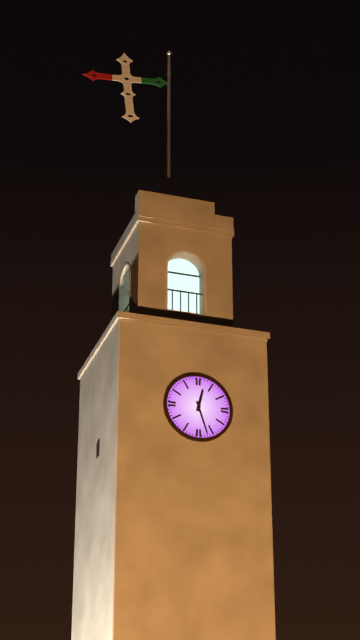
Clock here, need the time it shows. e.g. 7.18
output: 12.27
